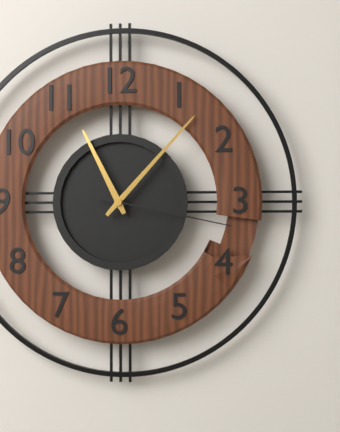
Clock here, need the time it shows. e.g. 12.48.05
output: 11.07.17
